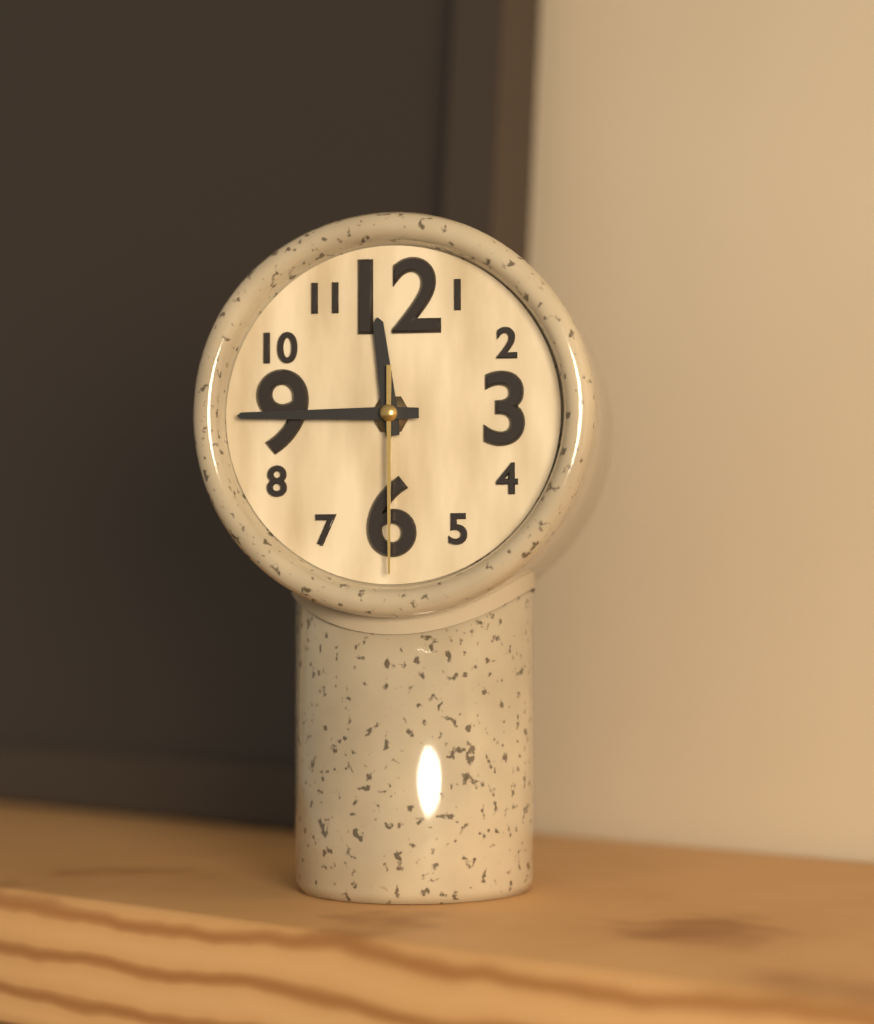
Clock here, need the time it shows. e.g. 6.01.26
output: 11.45.30
